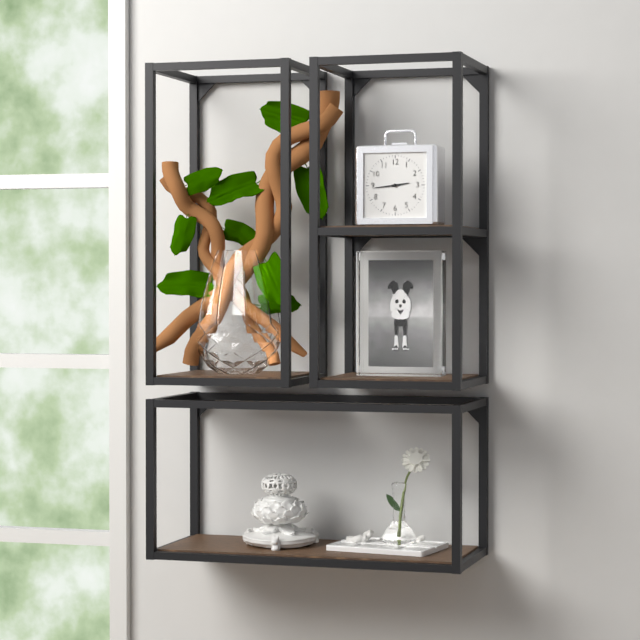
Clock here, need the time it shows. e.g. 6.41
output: 2.44
